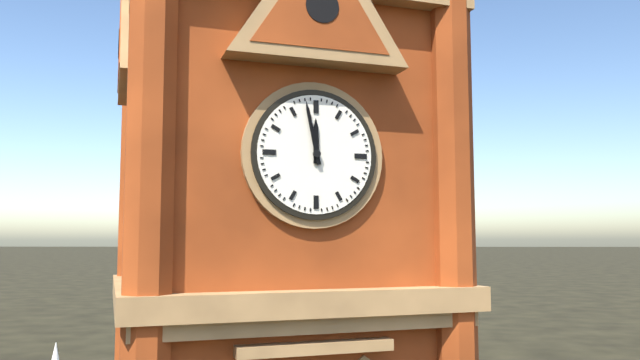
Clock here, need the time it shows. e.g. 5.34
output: 11.58
